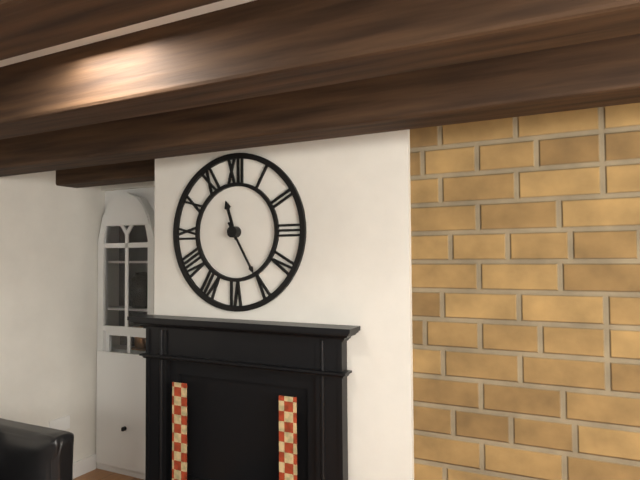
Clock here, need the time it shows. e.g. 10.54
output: 11.25
